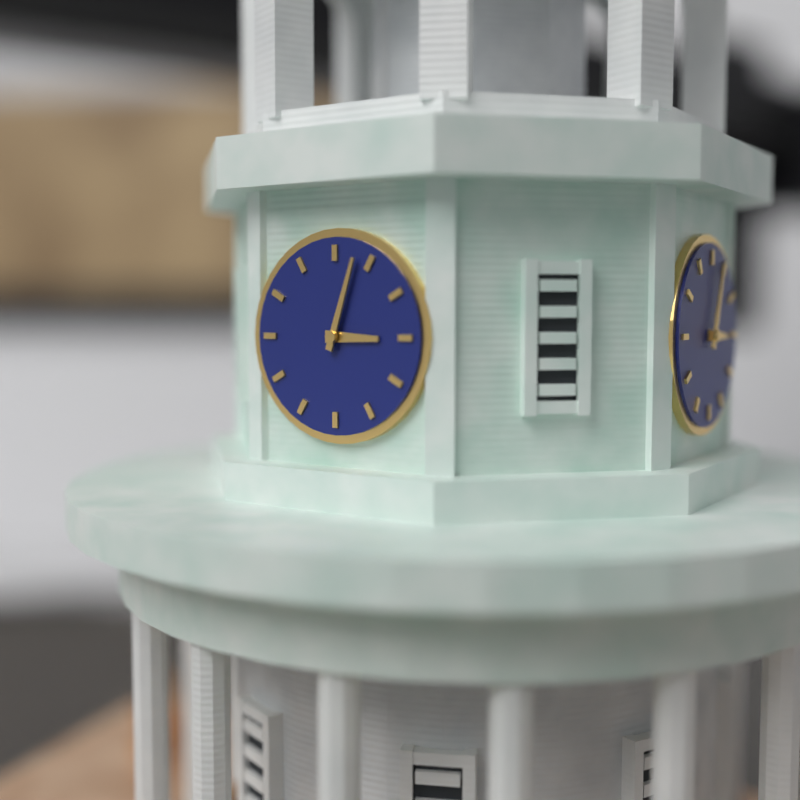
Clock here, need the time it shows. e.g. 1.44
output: 3.03
